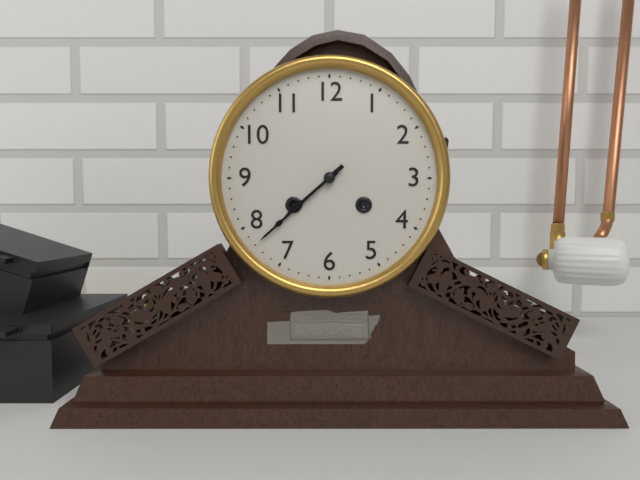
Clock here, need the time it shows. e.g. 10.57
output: 7.38
